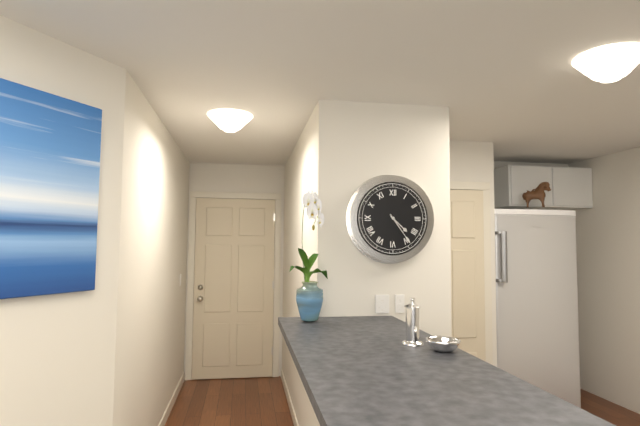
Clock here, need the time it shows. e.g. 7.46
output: 4.24
